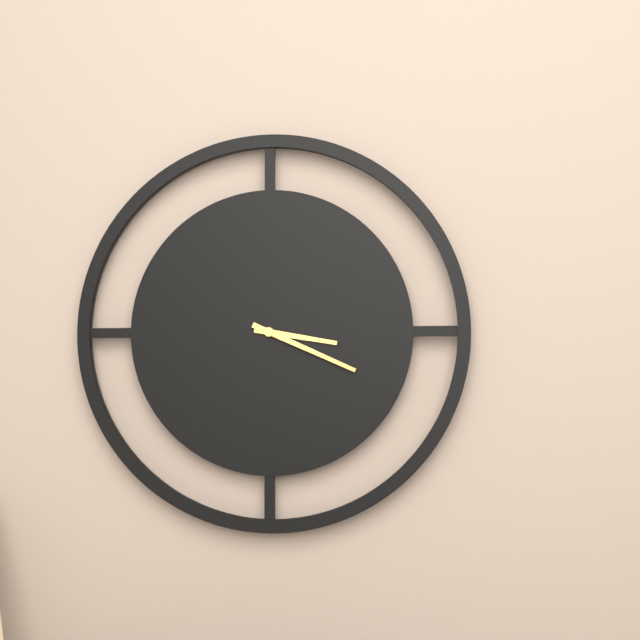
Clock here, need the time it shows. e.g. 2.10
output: 3.19
